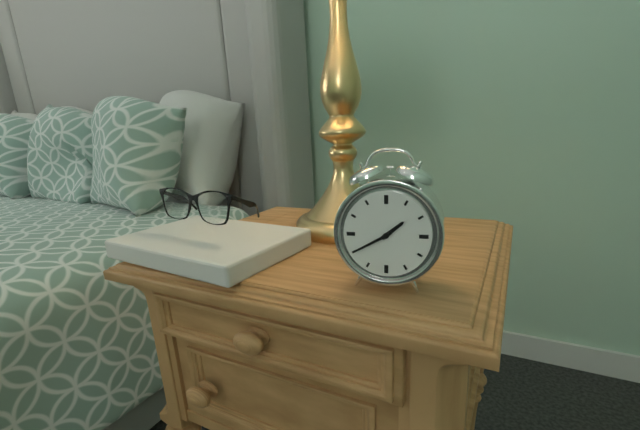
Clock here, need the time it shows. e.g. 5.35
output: 1.40
